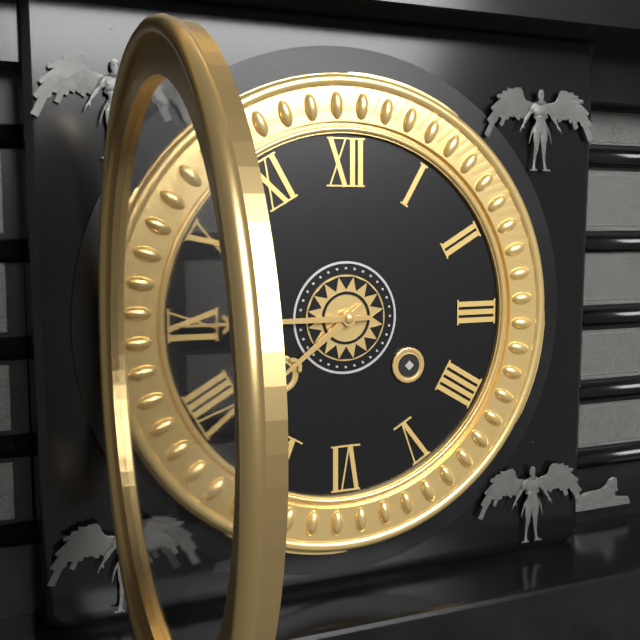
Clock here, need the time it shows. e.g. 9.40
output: 7.45
